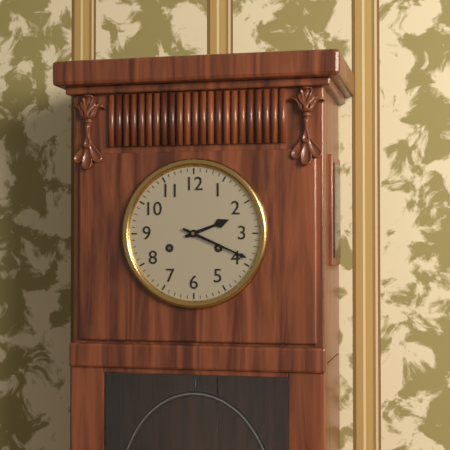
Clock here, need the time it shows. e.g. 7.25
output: 2.19
